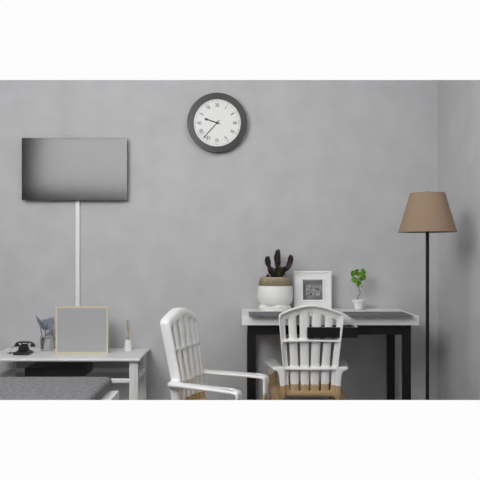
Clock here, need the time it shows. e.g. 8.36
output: 9.37
